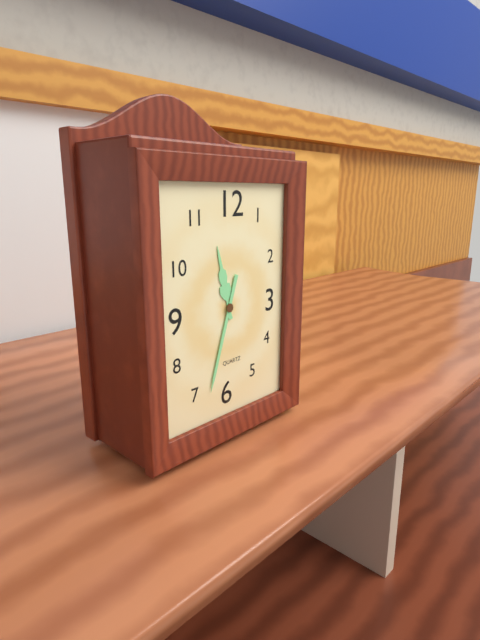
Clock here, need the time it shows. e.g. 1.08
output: 11.33
